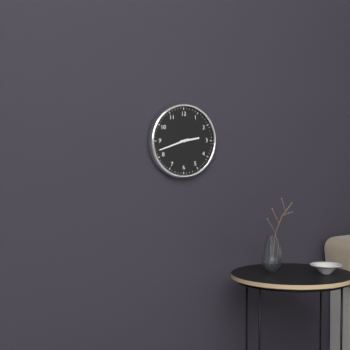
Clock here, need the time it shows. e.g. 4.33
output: 2.42
